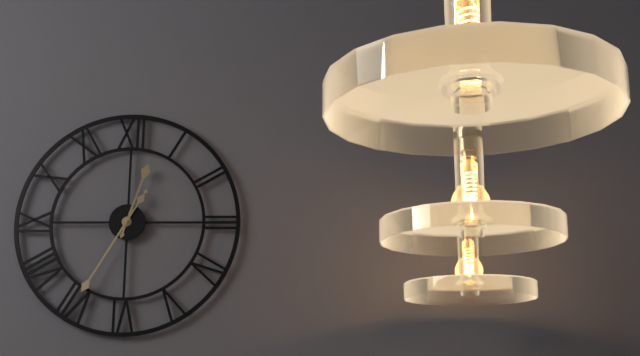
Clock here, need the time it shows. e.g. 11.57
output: 12.35
